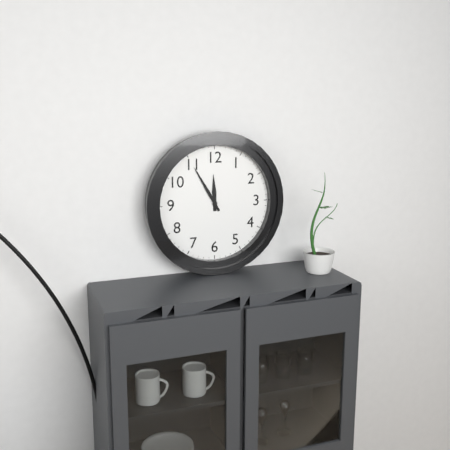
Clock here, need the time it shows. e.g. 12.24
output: 11.55
